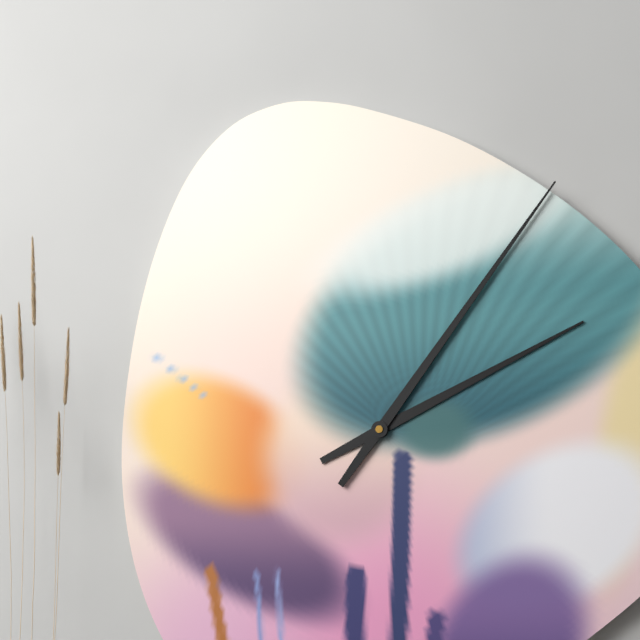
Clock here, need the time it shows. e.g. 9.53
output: 2.06
